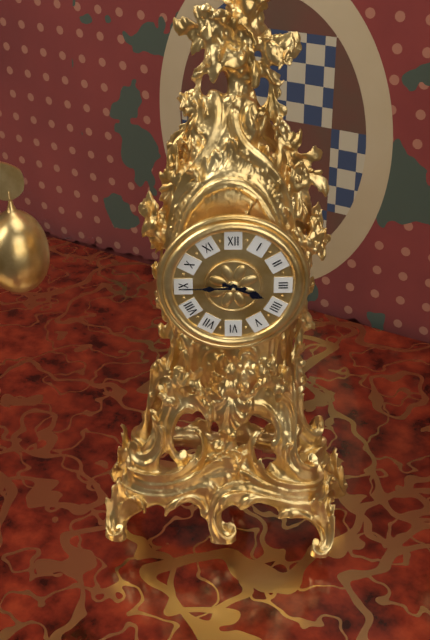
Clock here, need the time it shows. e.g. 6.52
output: 3.45
